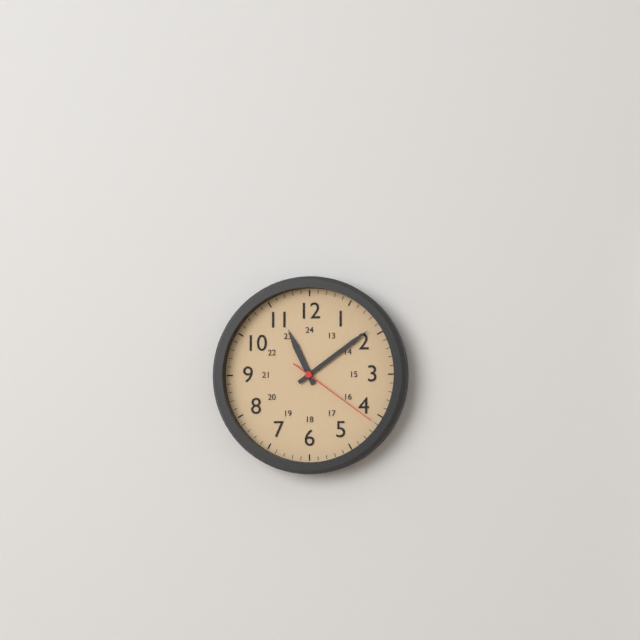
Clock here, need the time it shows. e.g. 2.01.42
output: 11.09.21
